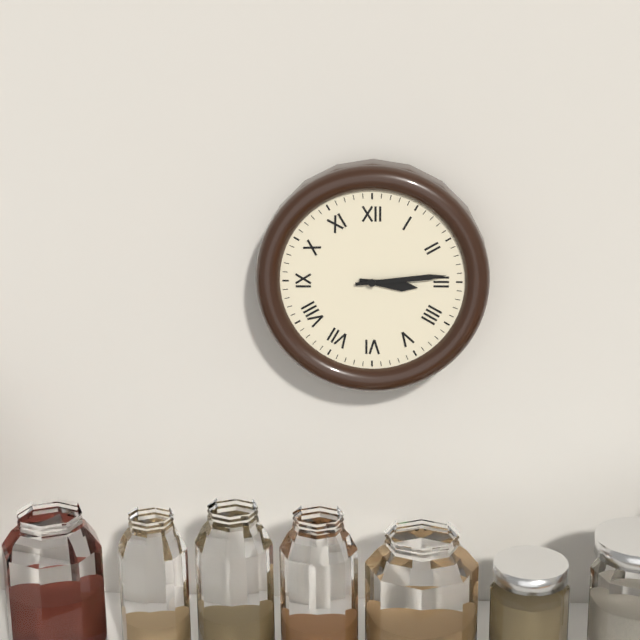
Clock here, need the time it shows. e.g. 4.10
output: 3.14
